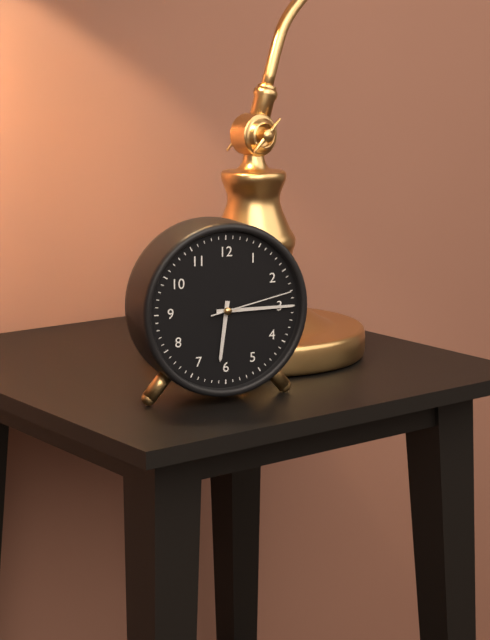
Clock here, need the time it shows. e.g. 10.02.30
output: 6.15.13
